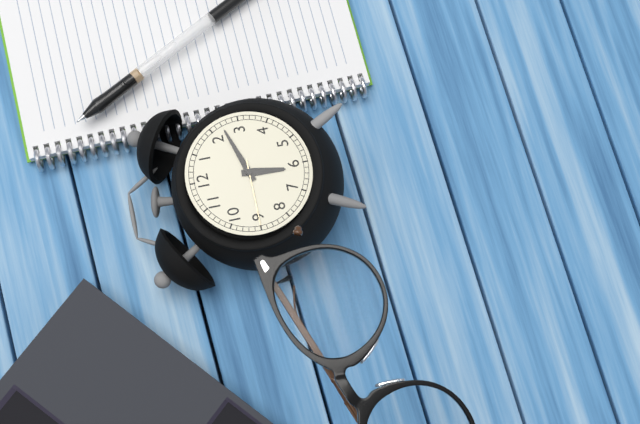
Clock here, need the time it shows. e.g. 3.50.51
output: 6.12.45
